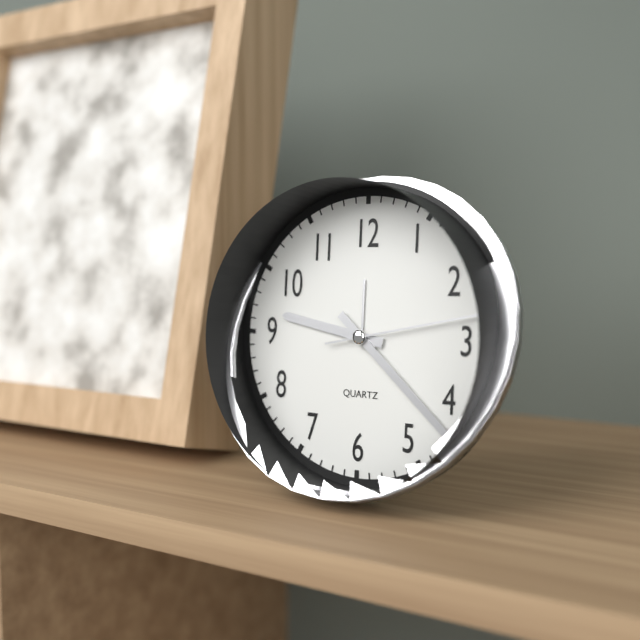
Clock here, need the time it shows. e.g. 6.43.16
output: 9.22.13
